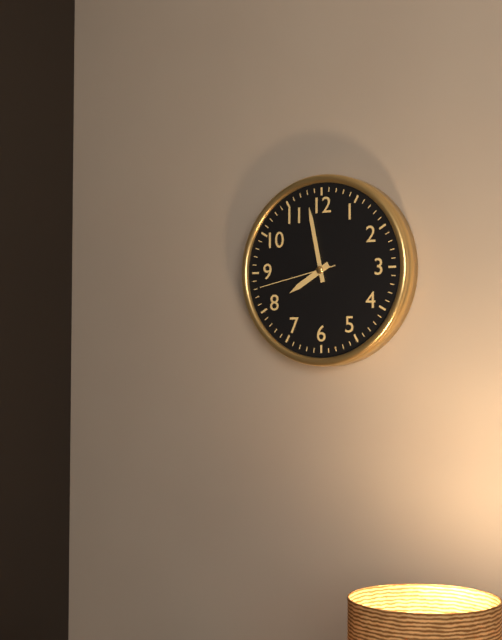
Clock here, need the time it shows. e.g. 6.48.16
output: 7.58.43
